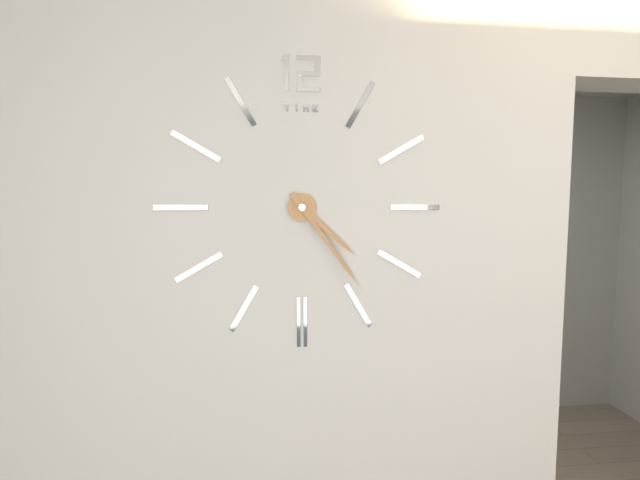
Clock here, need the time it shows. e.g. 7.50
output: 4.24
